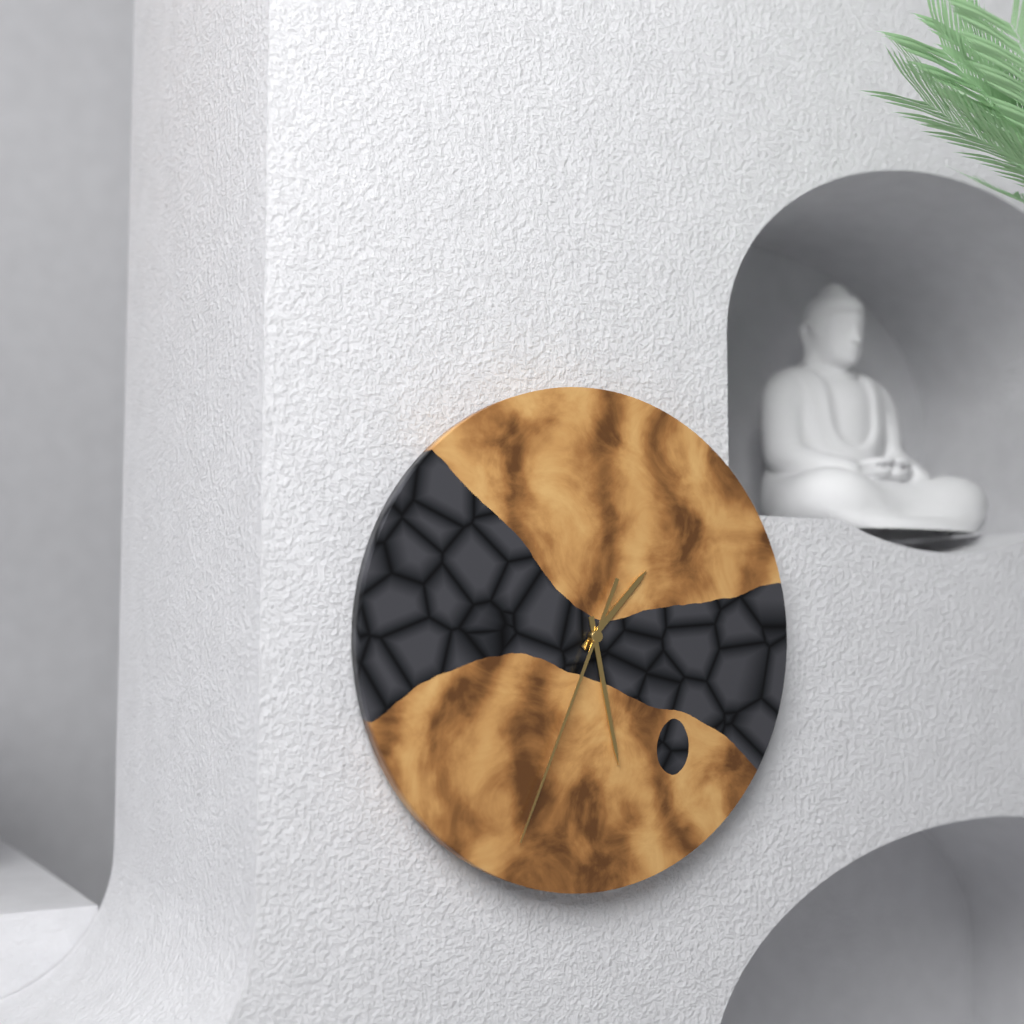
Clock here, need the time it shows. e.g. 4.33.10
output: 1.28.34
